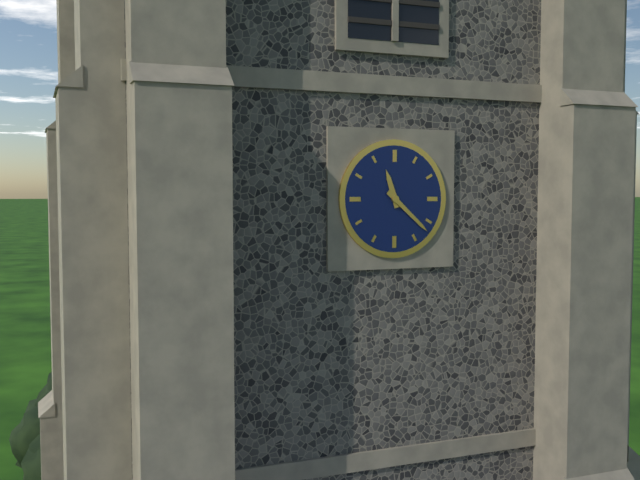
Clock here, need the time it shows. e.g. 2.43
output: 11.22
